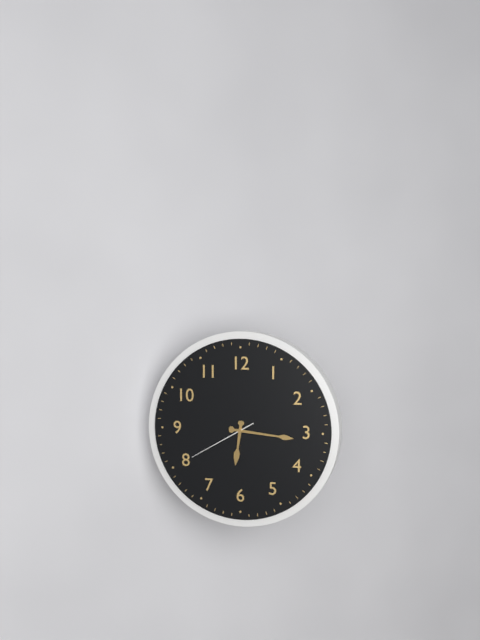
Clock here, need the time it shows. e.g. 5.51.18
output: 6.16.40
